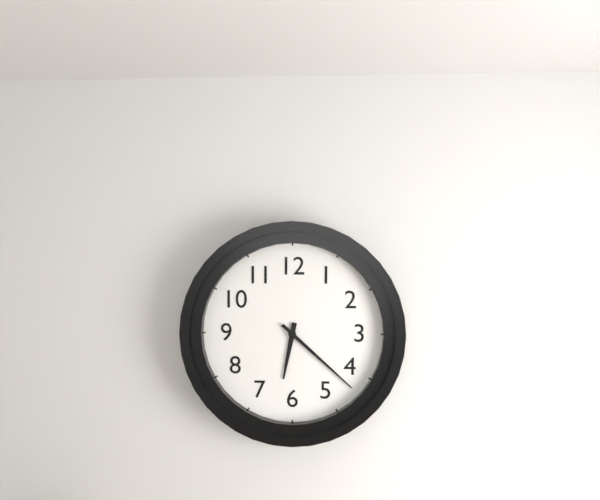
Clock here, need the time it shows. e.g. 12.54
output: 6.22
